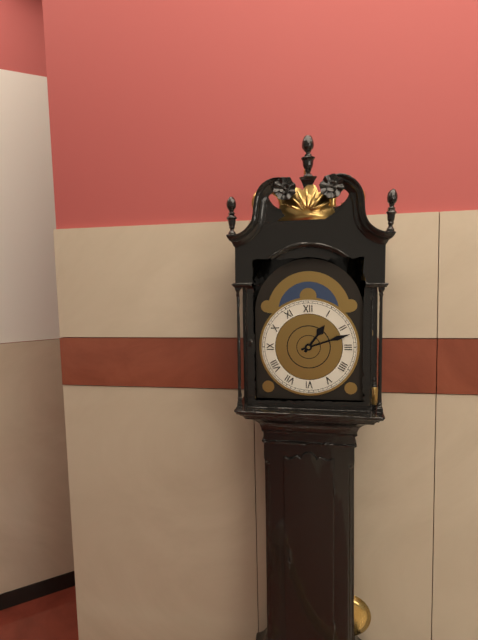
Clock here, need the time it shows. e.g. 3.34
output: 1.12
